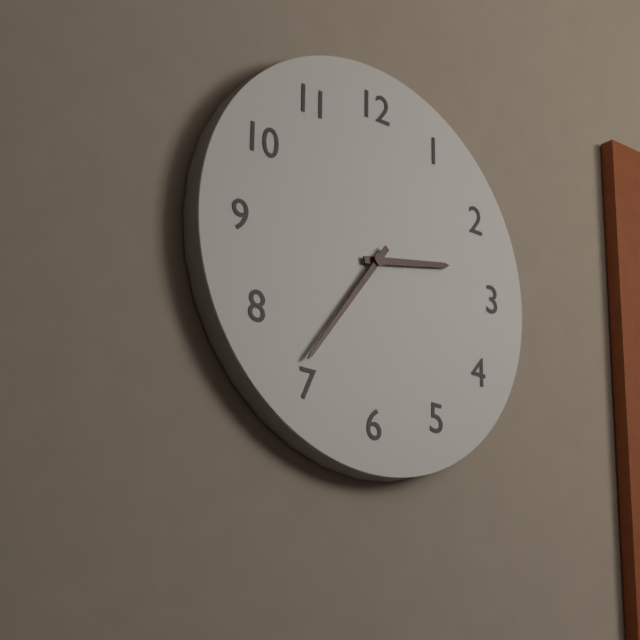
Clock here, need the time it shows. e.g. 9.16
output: 2.36
